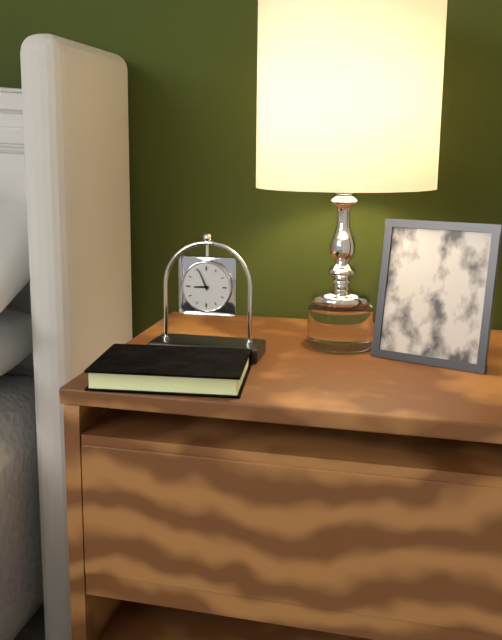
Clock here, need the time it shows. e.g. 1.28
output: 8.56
